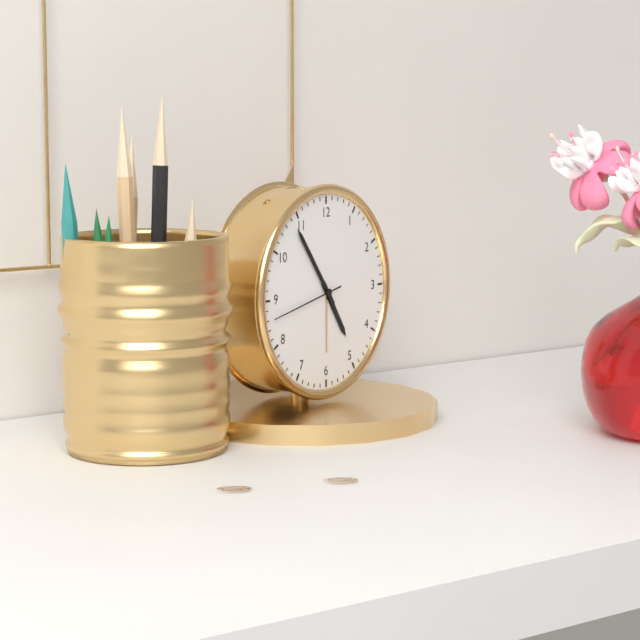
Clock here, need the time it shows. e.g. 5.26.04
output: 4.54.43
